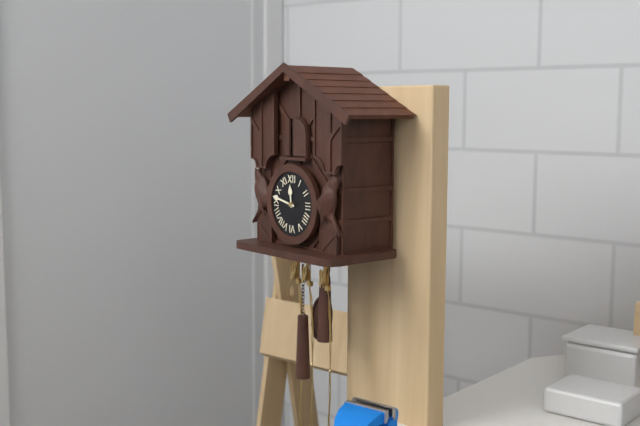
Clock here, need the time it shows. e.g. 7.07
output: 11.47
